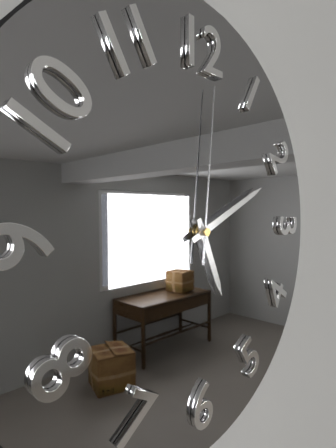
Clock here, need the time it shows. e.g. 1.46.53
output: 5.11.01
